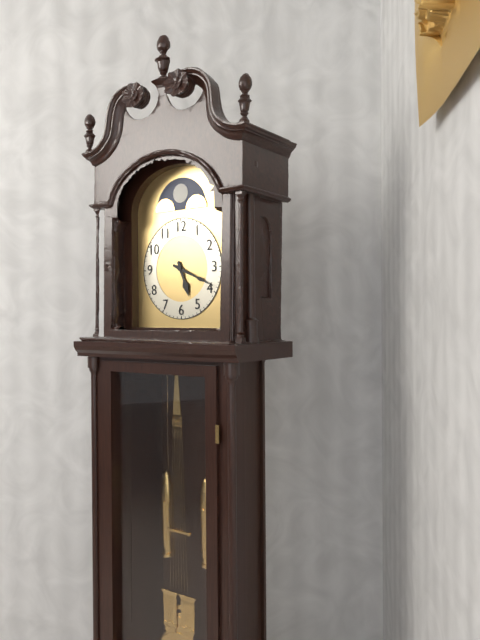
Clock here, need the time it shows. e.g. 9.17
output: 5.19
